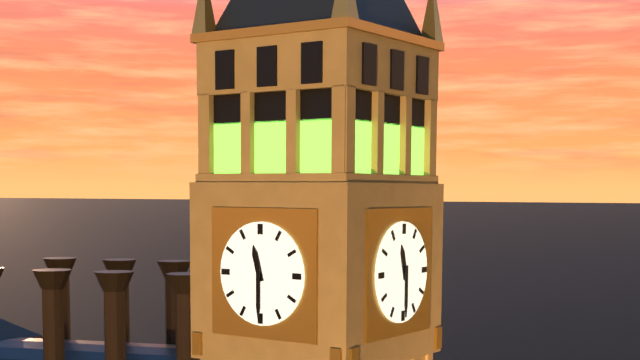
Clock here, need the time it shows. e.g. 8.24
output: 11.30
